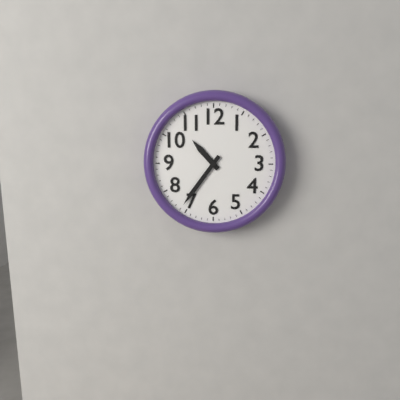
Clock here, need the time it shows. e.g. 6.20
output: 10.36
